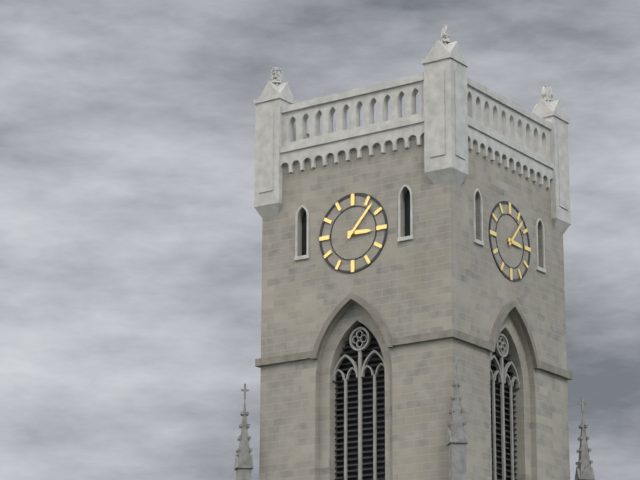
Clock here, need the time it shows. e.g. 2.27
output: 3.07
